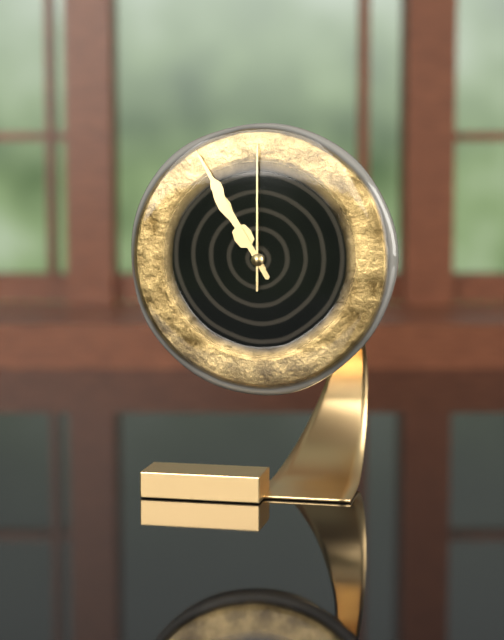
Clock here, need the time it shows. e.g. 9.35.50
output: 10.55.00
